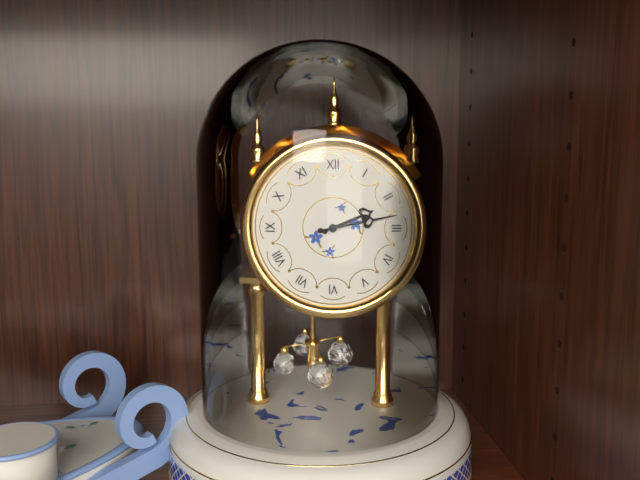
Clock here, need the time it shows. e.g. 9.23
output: 2.13
